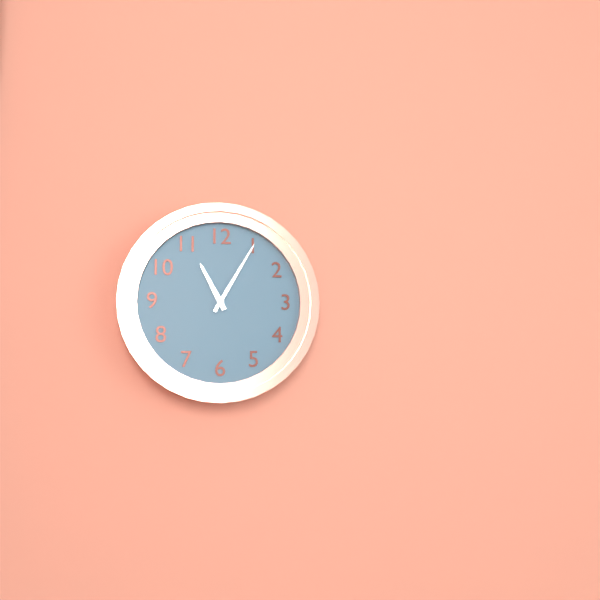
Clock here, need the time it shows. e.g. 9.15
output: 11.05
